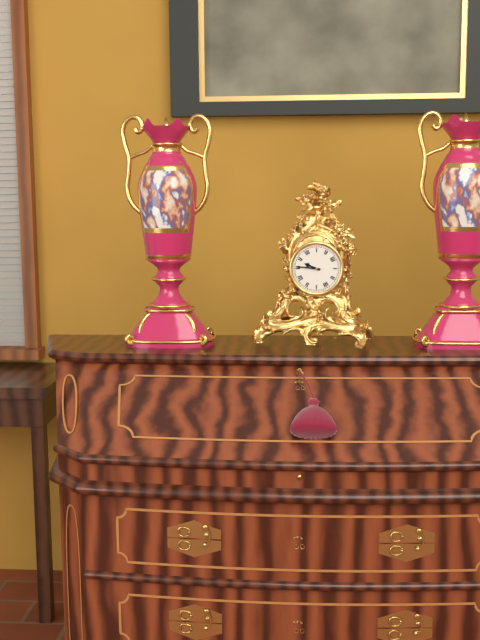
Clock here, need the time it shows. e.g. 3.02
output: 9.46
